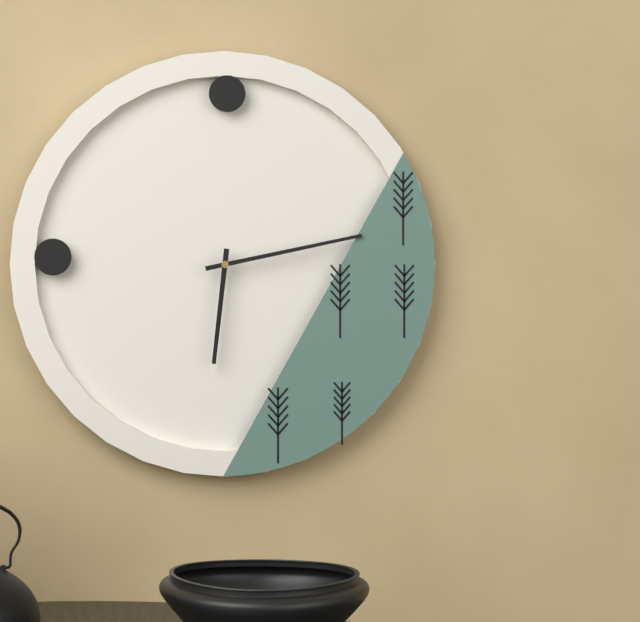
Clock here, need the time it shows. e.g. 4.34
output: 6.13
